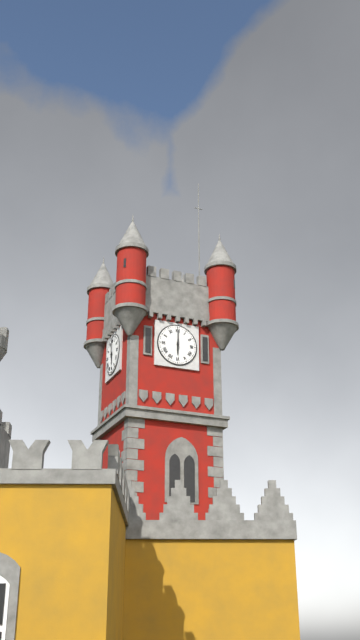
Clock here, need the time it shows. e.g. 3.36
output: 6.00
